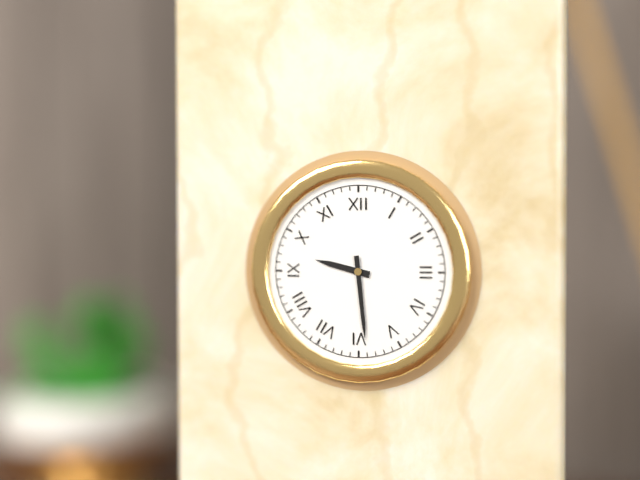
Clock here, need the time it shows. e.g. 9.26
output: 9.29
